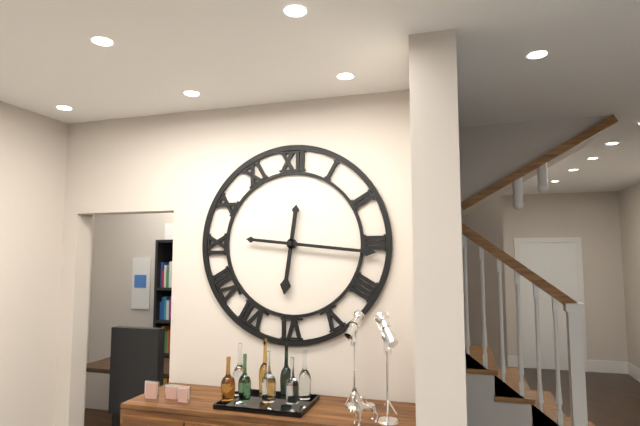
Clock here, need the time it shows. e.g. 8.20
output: 6.16
